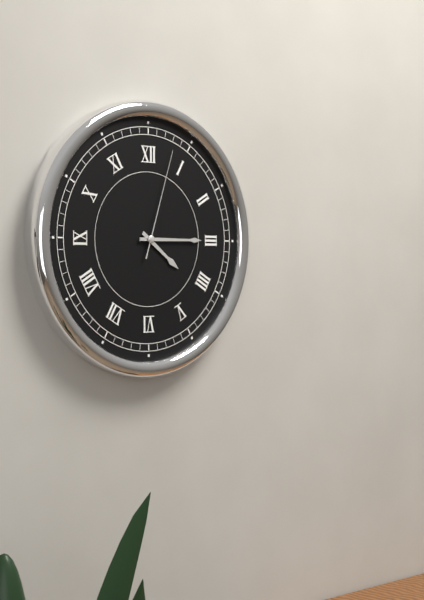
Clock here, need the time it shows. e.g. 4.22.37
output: 4.15.03
